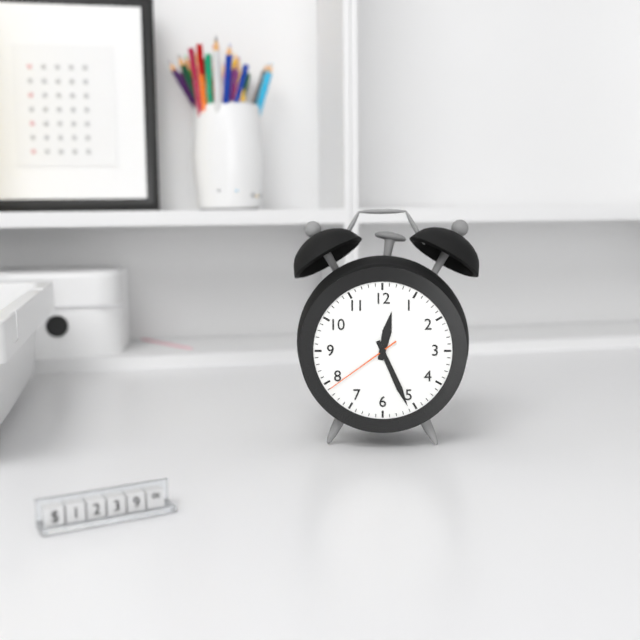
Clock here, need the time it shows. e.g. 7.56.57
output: 12.26.39
